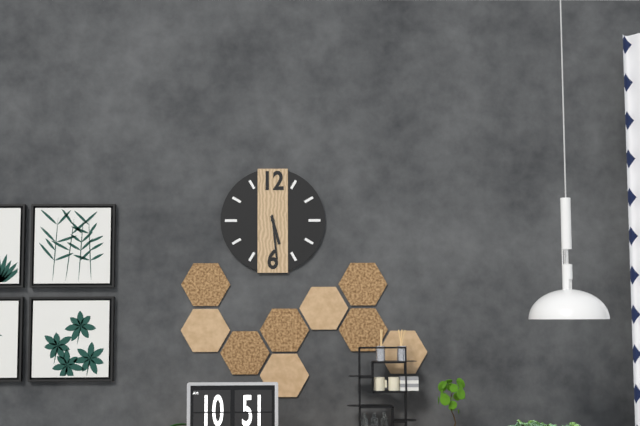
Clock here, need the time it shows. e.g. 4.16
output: 5.29
